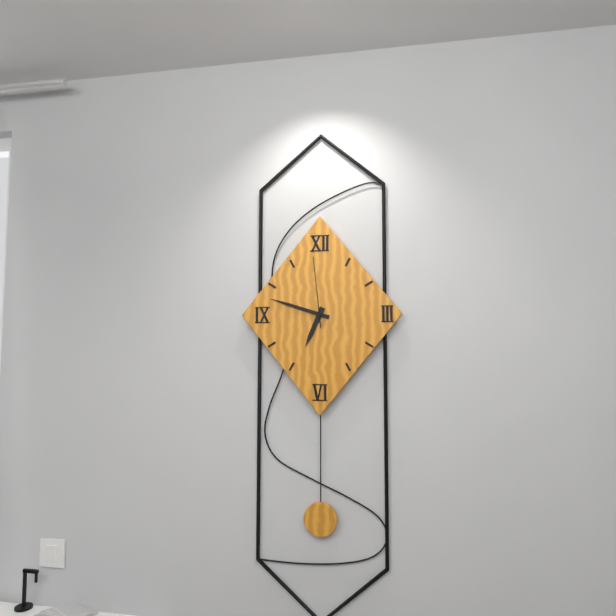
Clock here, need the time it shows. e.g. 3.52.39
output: 6.48.59
